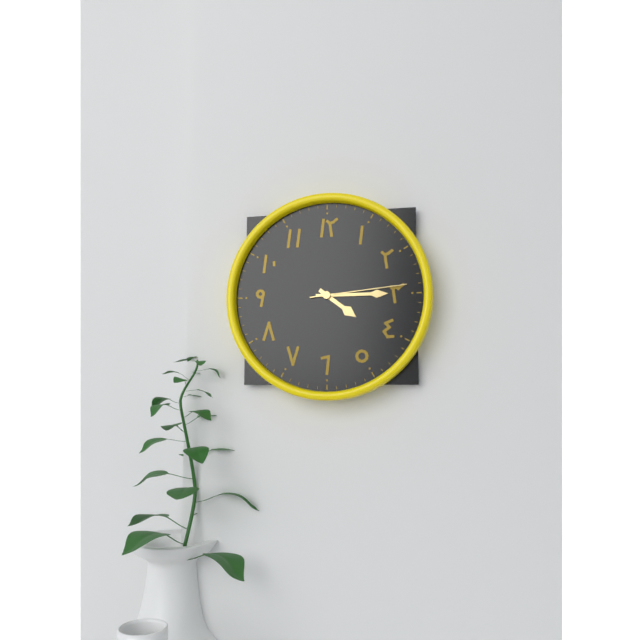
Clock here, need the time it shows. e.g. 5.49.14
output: 4.15.14
